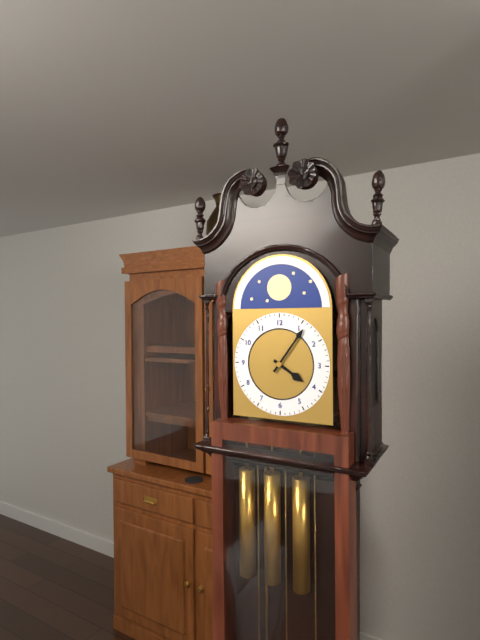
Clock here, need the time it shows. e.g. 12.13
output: 4.06
